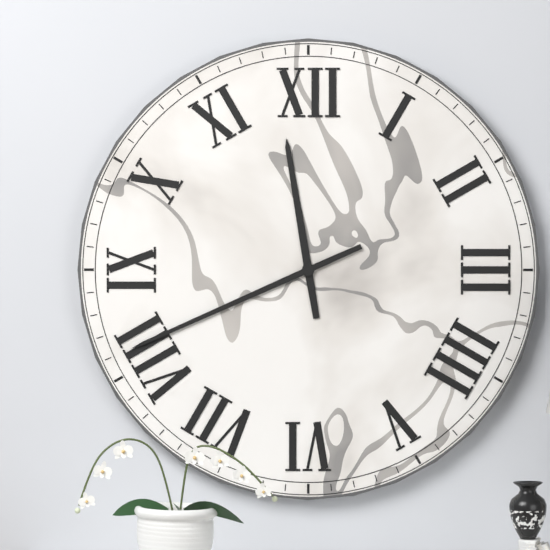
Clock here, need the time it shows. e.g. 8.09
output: 11.41
